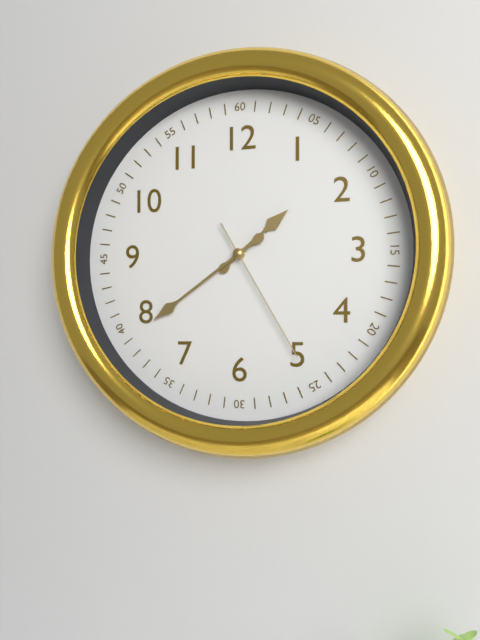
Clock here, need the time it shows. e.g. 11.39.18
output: 1.39.25
